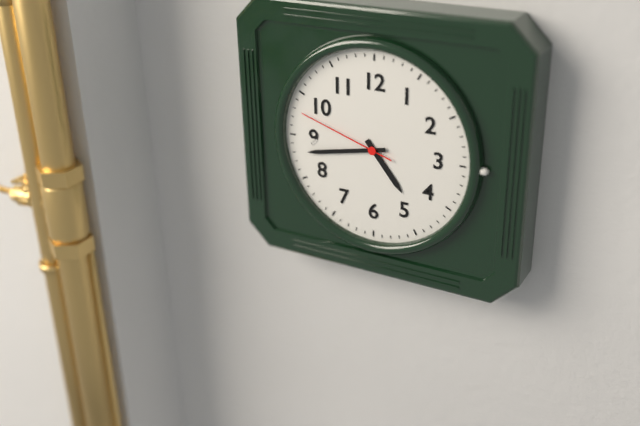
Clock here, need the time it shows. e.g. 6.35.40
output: 4.43.48
